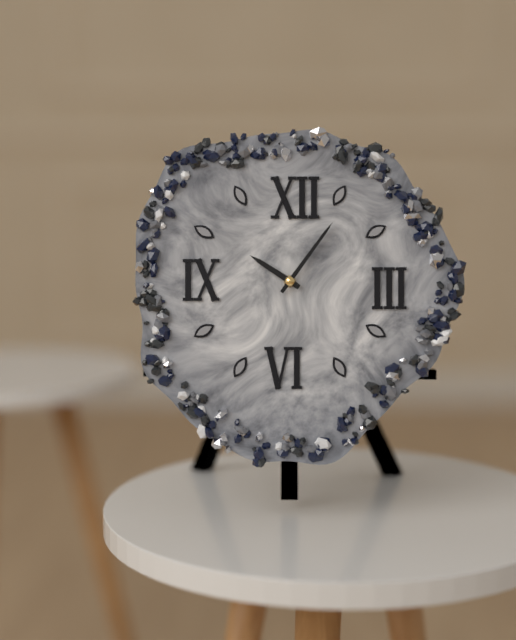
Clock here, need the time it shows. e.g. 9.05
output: 10.06
